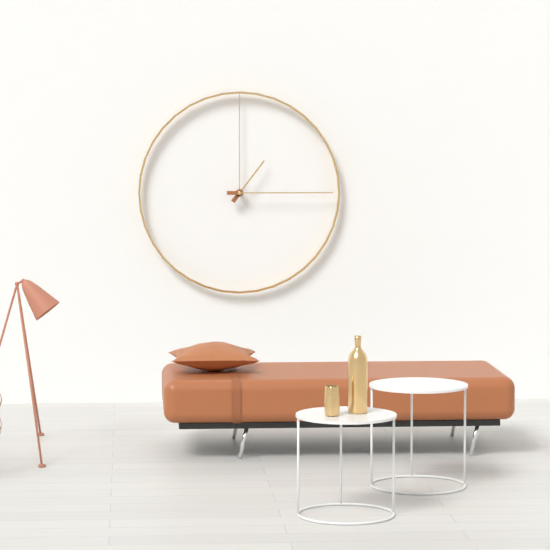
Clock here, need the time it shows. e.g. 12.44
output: 1.15
